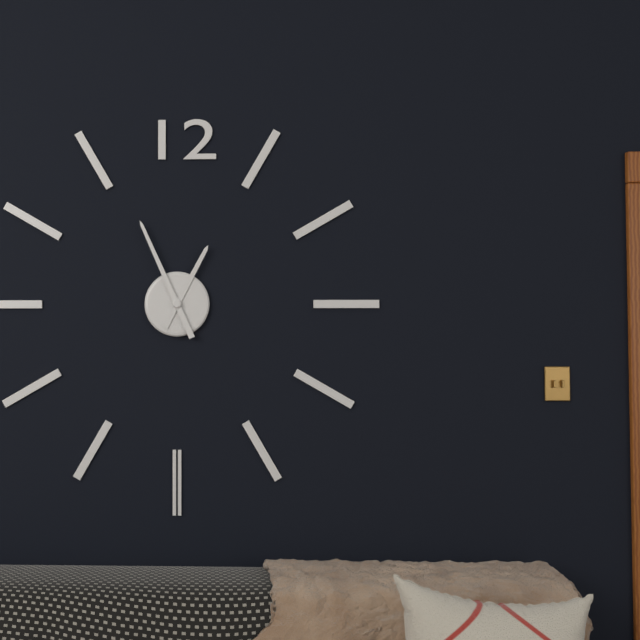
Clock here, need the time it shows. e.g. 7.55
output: 12.56
